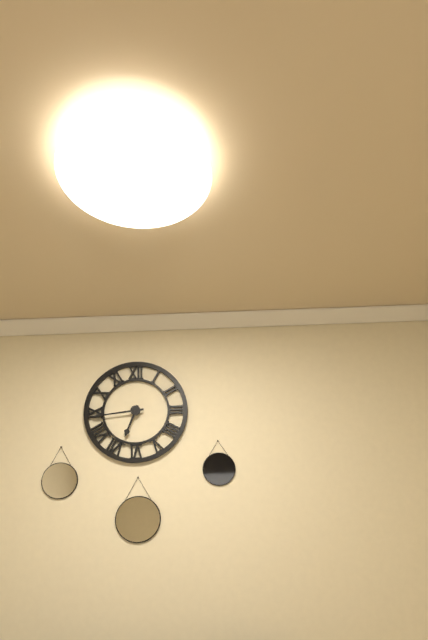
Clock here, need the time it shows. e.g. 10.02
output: 6.44
